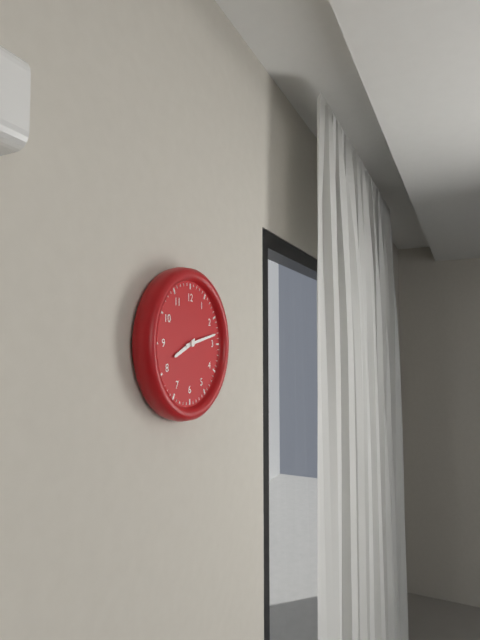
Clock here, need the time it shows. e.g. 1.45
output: 8.13
